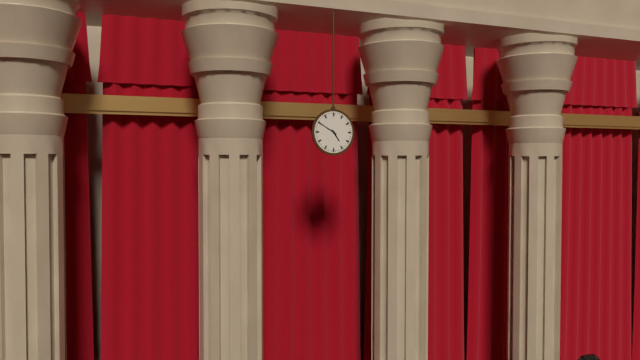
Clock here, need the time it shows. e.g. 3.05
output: 4.50
